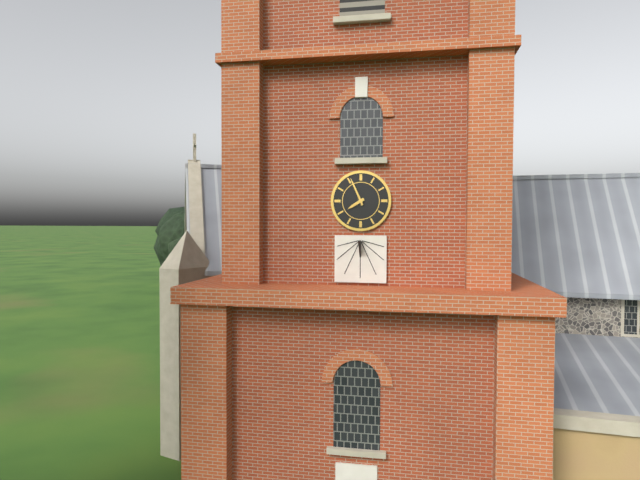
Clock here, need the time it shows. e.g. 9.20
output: 7.56
